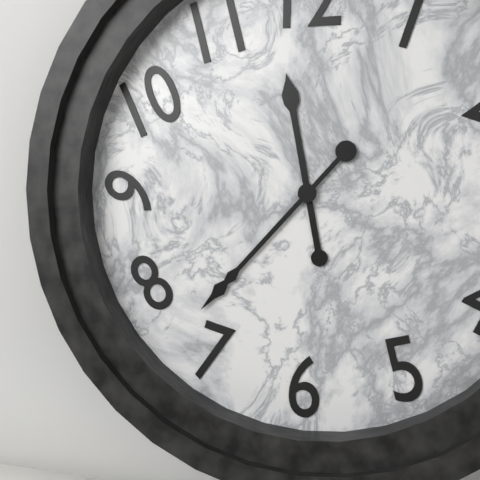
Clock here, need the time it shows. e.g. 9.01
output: 11.37
